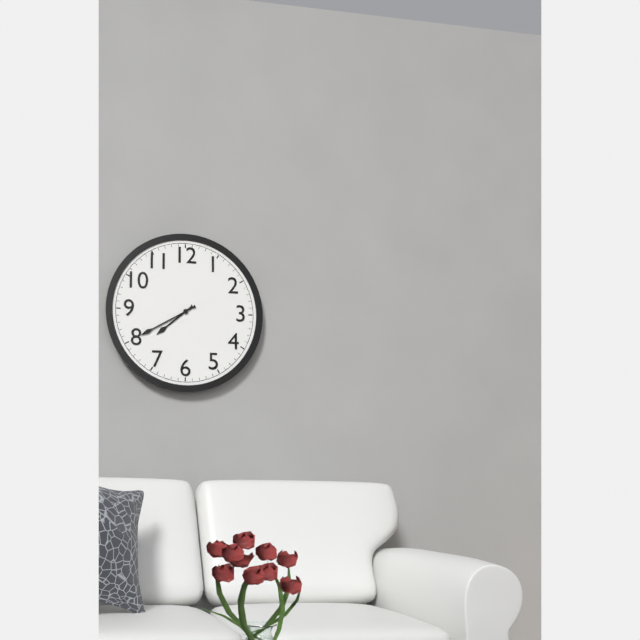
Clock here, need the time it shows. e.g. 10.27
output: 7.40
